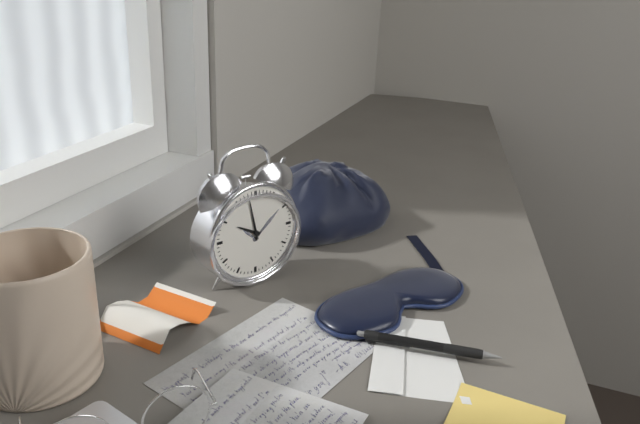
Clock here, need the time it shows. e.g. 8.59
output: 9.58
